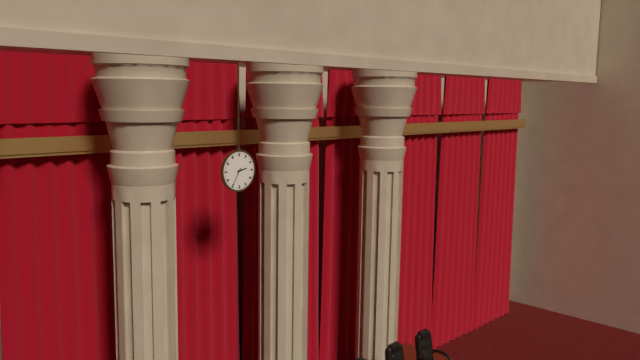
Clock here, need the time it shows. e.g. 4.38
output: 2.35
